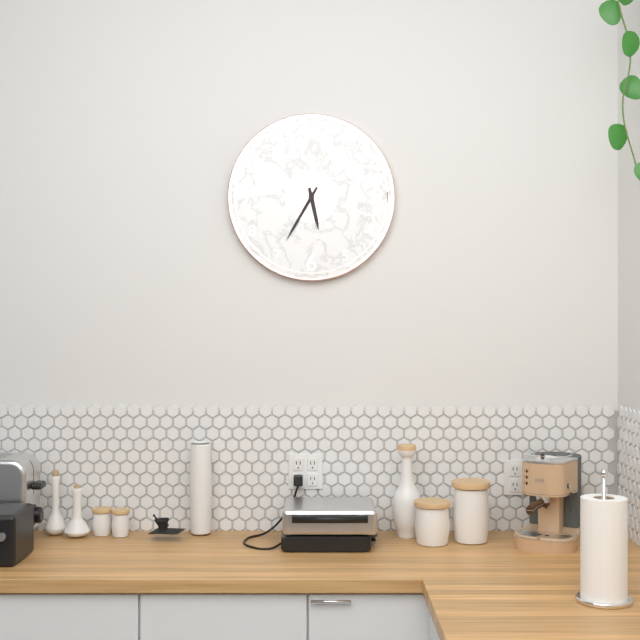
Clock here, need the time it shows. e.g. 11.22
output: 5.35
